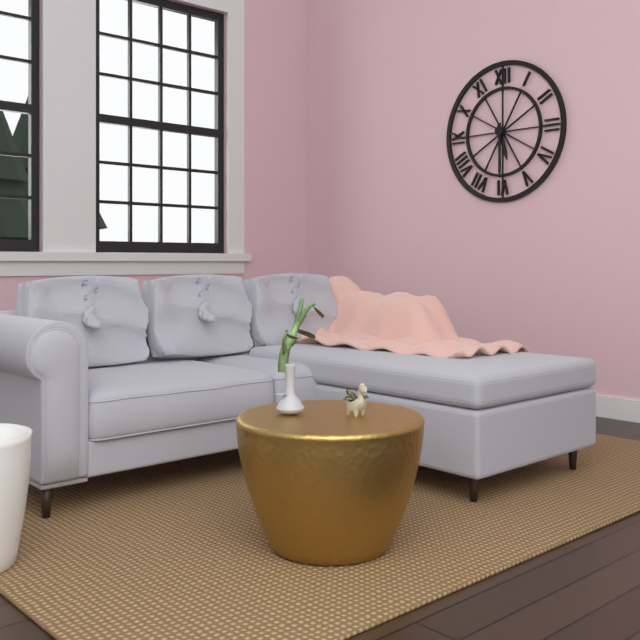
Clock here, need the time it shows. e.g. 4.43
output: 5.30
